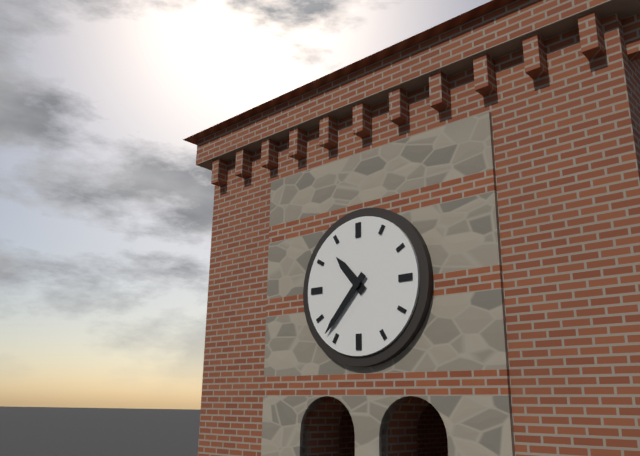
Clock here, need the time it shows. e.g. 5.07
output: 10.37
